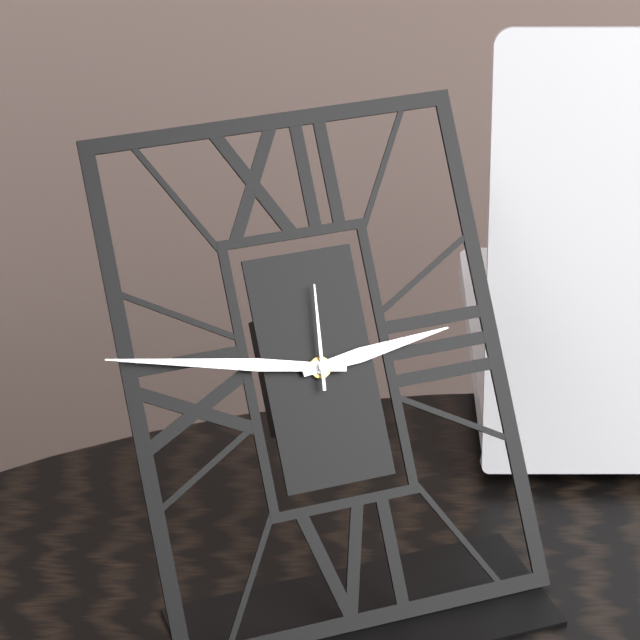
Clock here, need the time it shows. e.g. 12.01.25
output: 2.47.01
